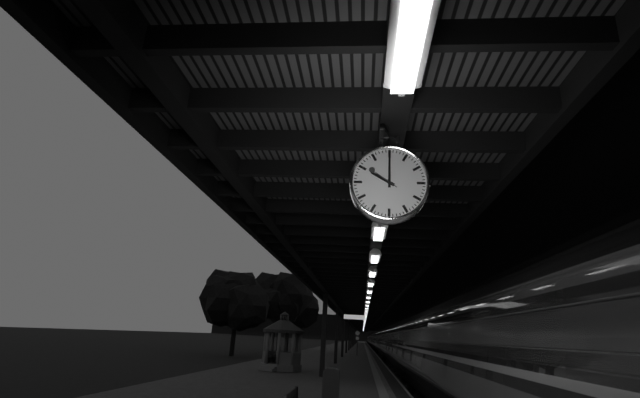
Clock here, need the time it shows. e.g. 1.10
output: 10.00
